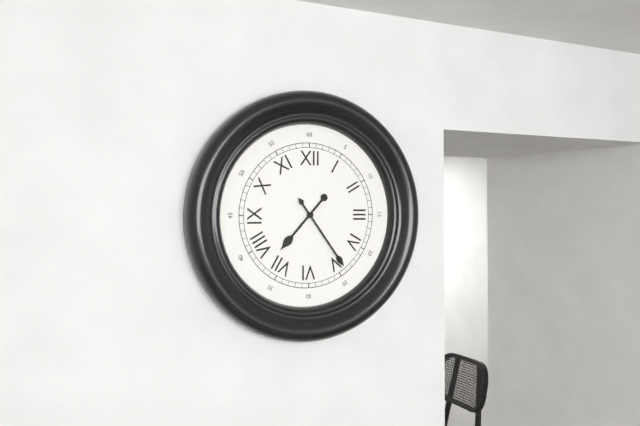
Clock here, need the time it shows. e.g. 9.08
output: 7.24
